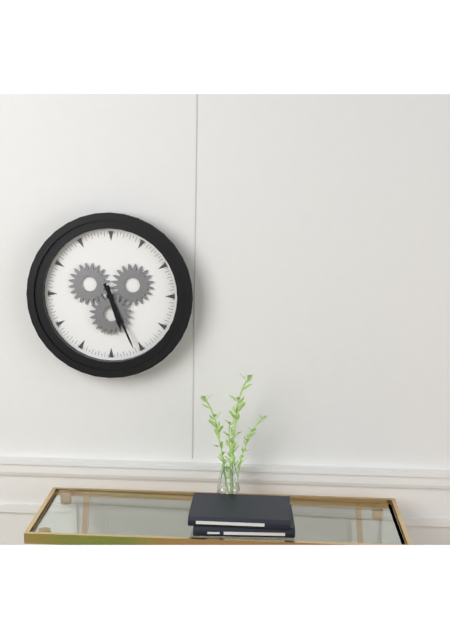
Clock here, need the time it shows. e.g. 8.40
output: 5.26
